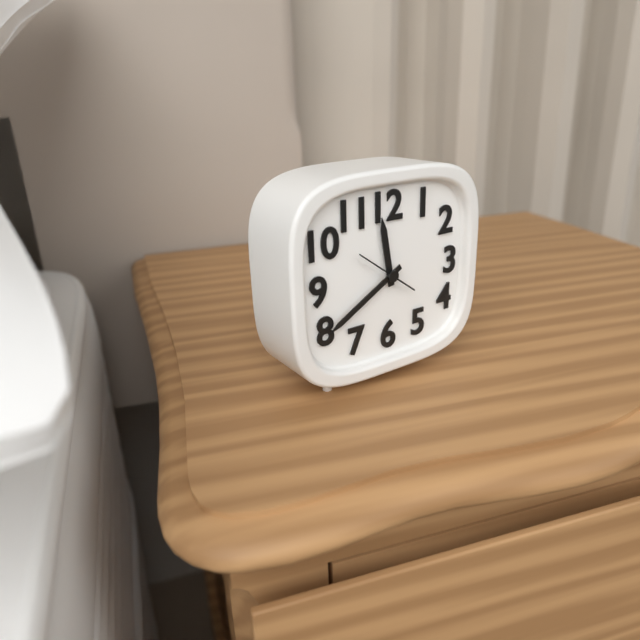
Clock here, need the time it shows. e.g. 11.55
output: 11.40
